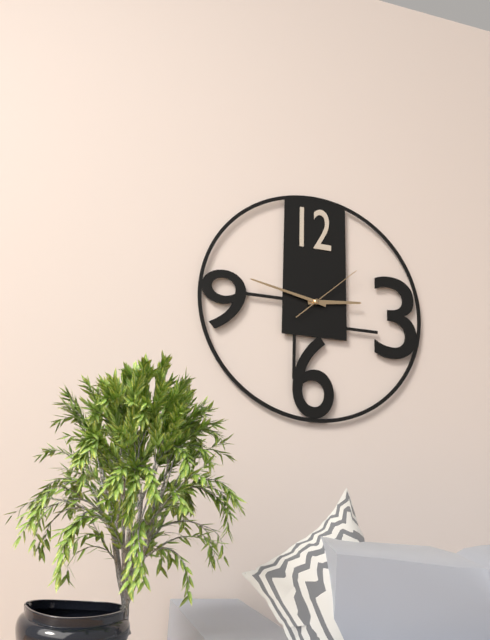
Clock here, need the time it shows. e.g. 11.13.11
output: 2.47.08
